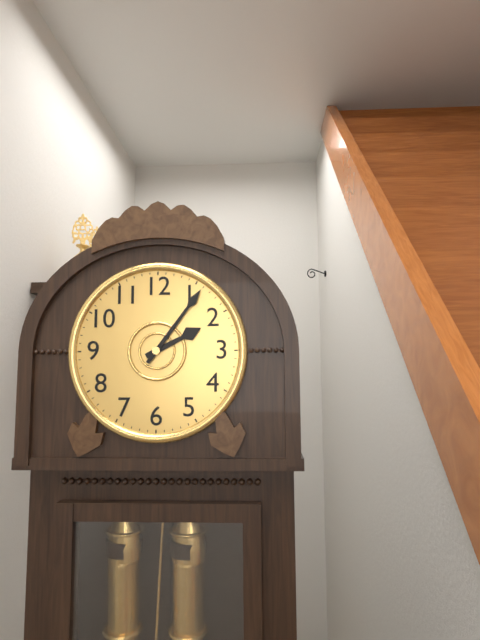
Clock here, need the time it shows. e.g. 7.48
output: 2.06
